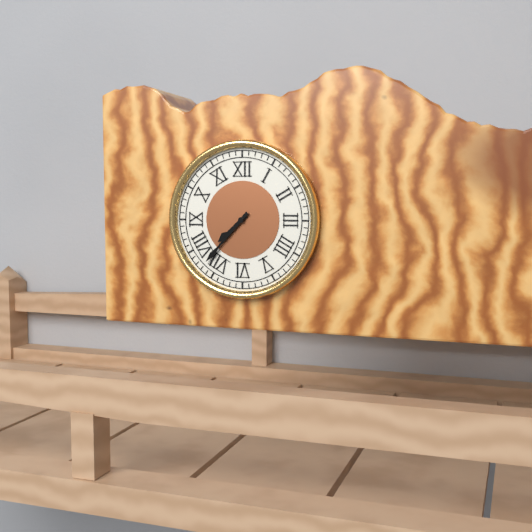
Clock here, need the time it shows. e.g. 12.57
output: 7.37
